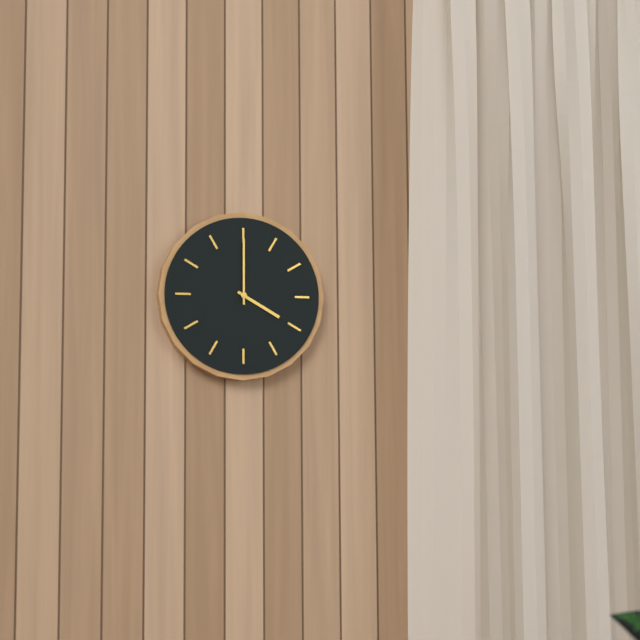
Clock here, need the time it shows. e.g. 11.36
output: 4.00
